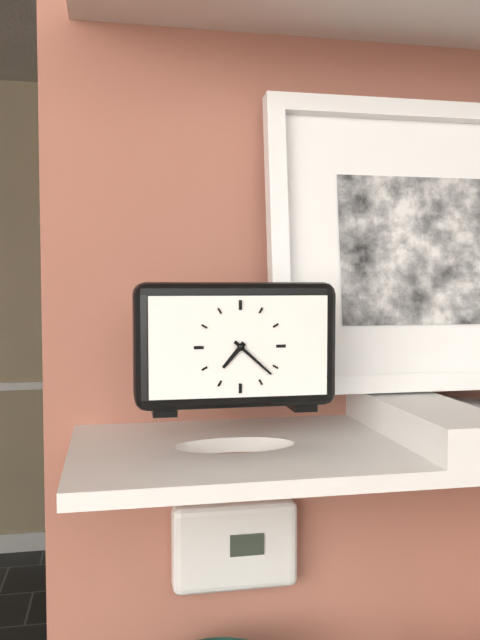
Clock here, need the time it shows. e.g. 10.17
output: 7.22
